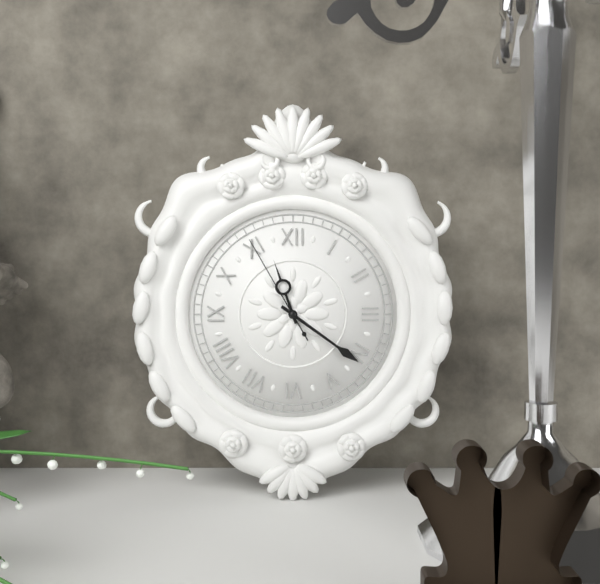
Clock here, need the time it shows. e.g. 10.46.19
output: 11.21.55
